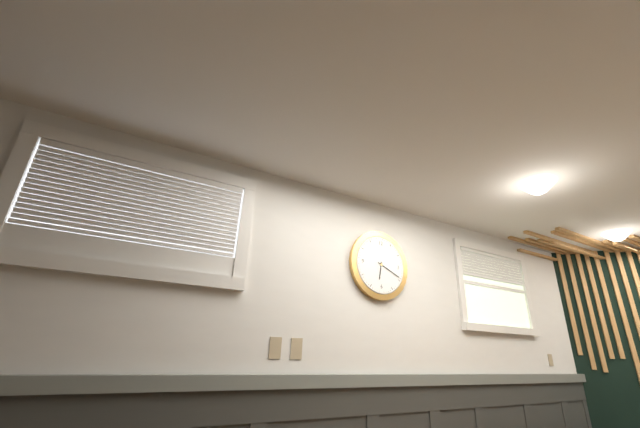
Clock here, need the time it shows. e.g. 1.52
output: 6.19
